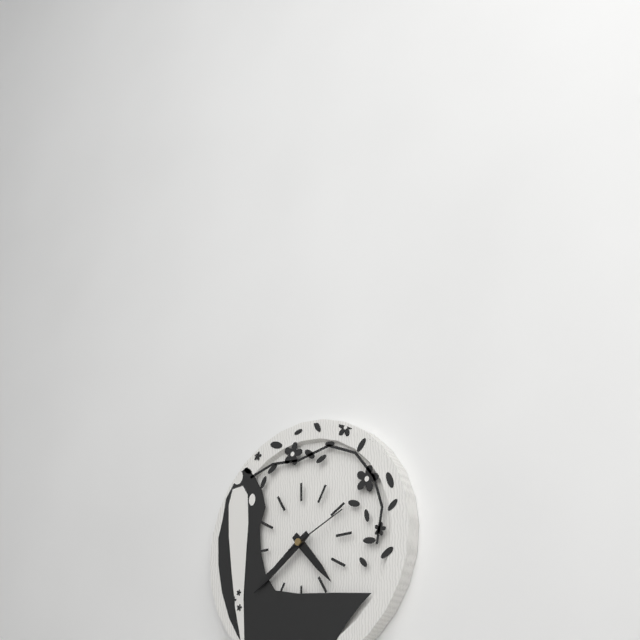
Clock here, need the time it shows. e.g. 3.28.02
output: 4.39.11
